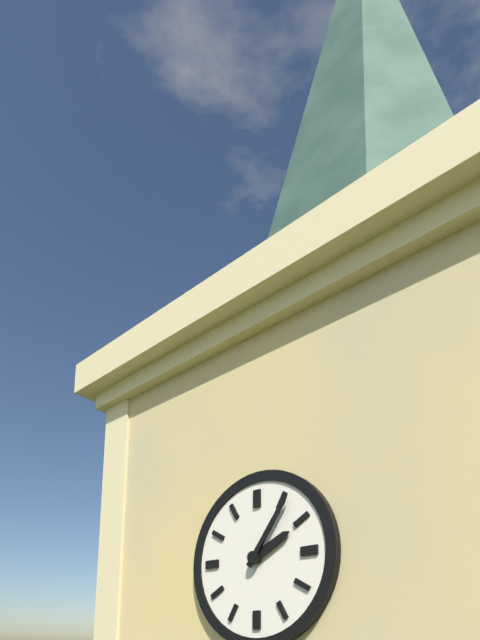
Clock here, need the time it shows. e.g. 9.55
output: 2.06
